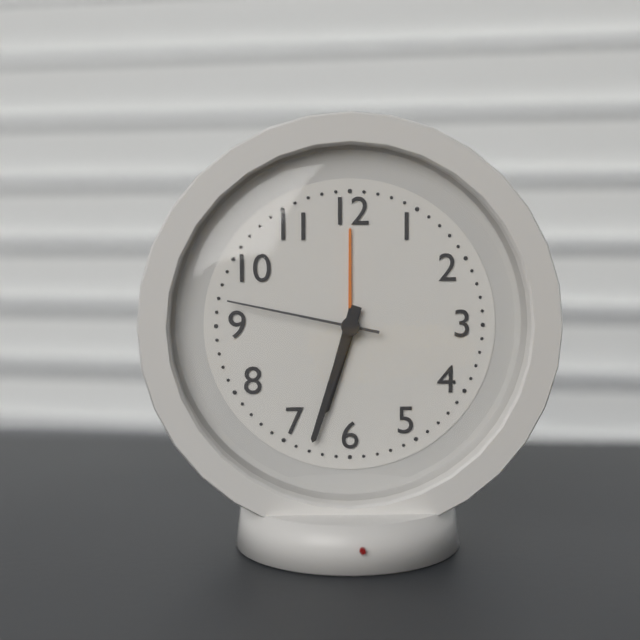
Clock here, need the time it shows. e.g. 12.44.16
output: 6.33.47
